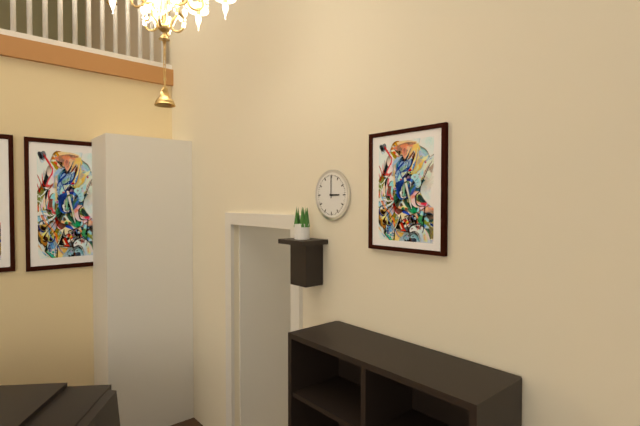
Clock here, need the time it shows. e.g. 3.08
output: 3.00
